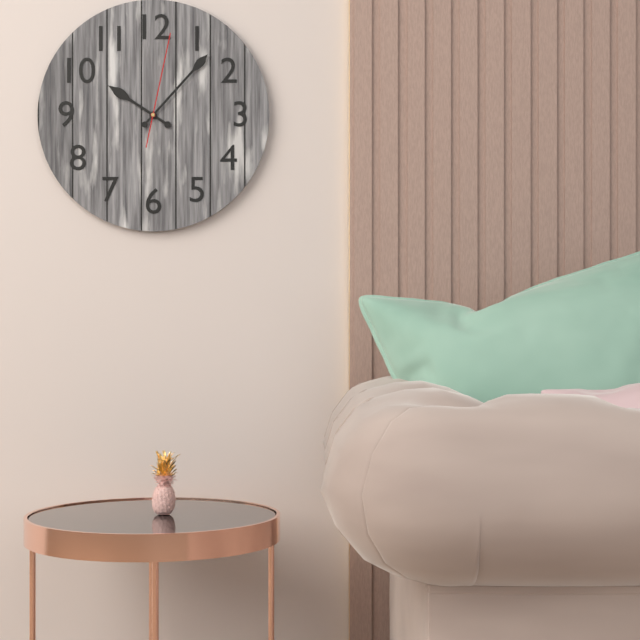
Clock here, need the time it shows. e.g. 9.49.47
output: 10.07.02
